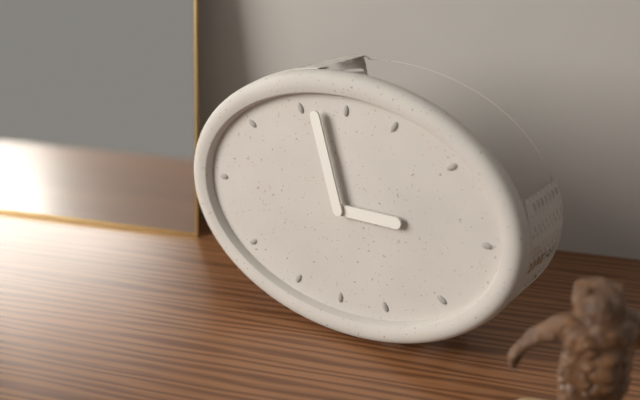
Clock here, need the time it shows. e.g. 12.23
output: 2.57
